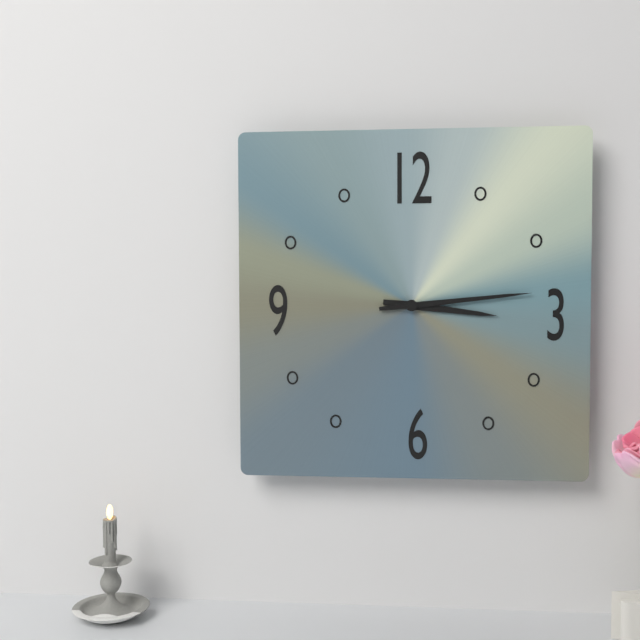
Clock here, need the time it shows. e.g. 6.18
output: 3.14
